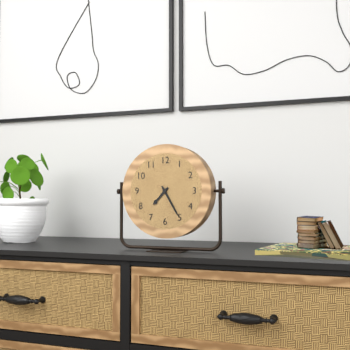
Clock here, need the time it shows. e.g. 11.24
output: 7.25
